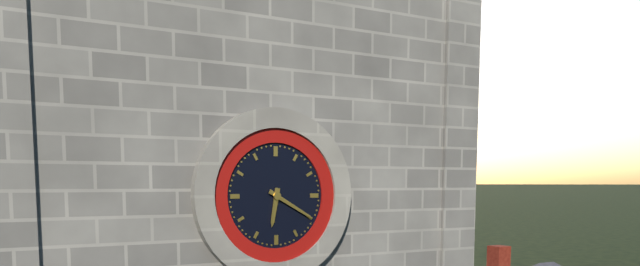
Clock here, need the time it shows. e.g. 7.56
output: 6.20
